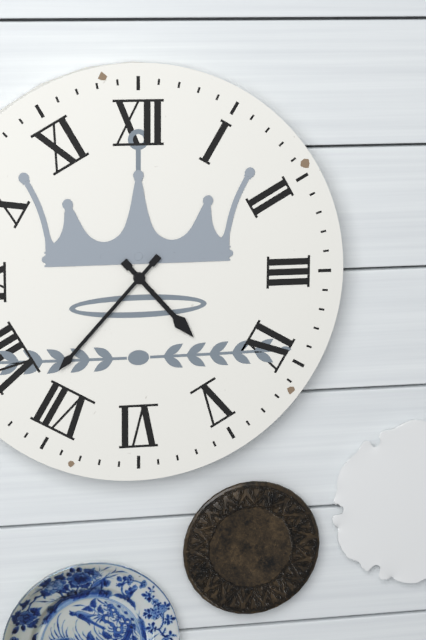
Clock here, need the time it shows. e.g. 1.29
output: 4.37
